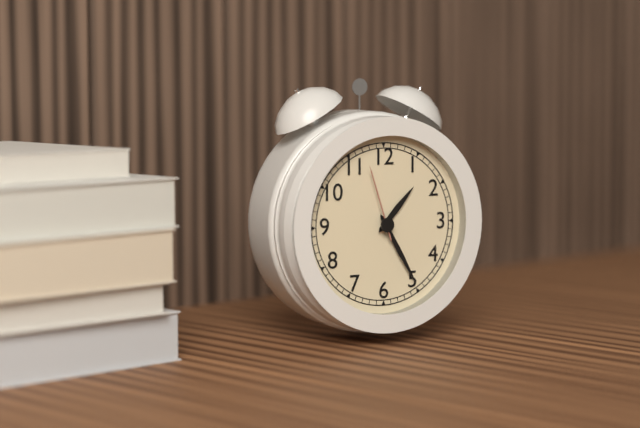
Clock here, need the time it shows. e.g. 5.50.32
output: 1.25.57
